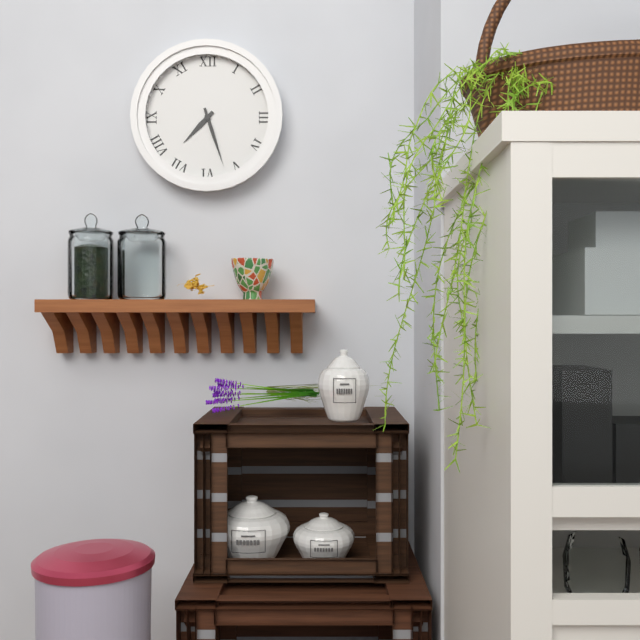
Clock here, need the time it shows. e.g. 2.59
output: 7.27
